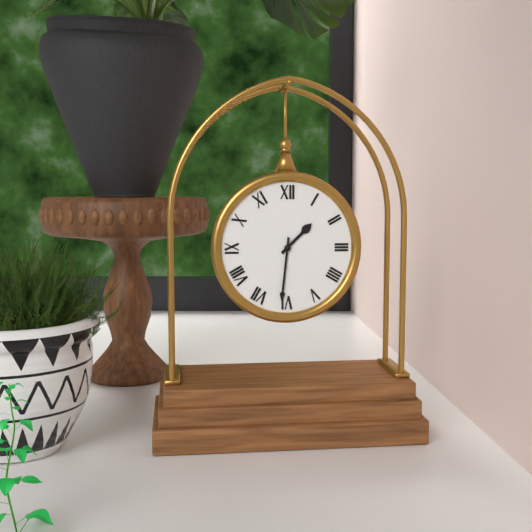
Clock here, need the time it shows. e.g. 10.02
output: 1.31
